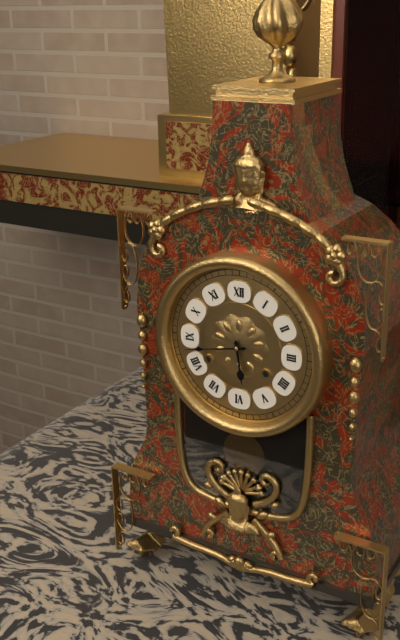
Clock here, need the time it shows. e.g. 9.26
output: 5.43
